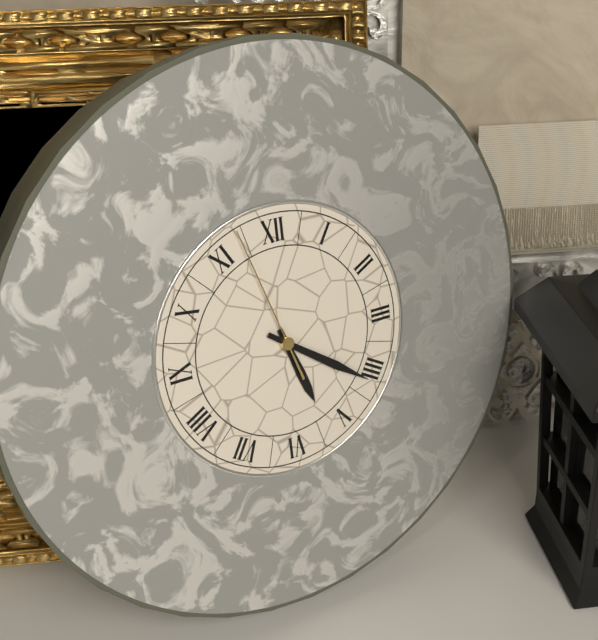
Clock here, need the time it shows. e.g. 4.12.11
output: 5.21.57
